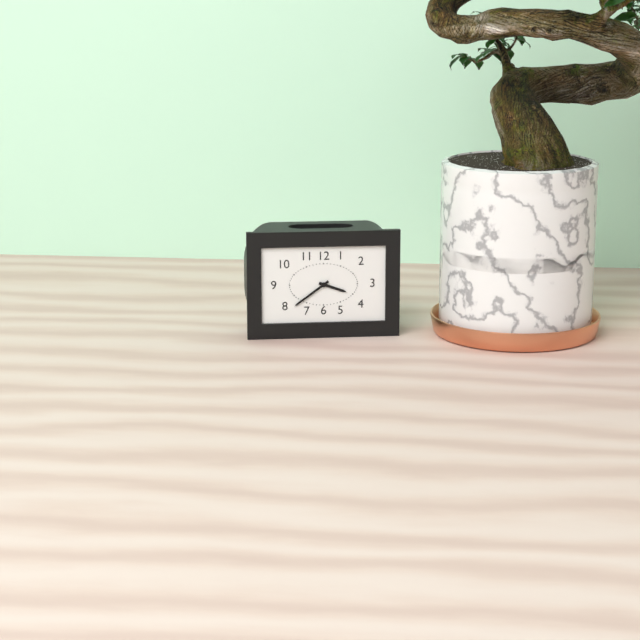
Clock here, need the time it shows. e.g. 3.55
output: 3.39
